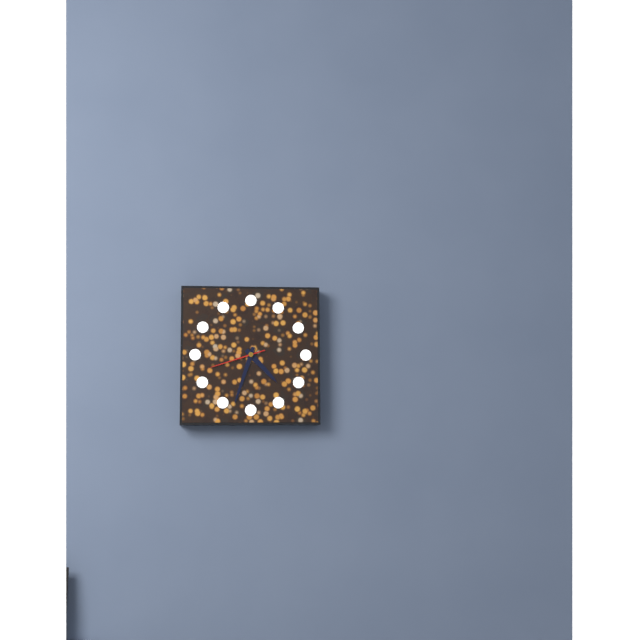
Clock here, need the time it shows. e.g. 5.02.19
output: 4.33.42
